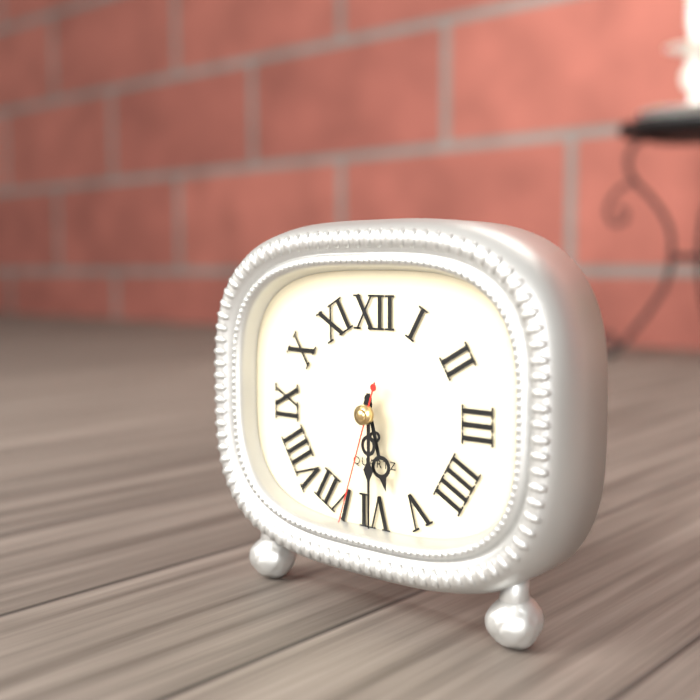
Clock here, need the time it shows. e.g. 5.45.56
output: 5.30.33
